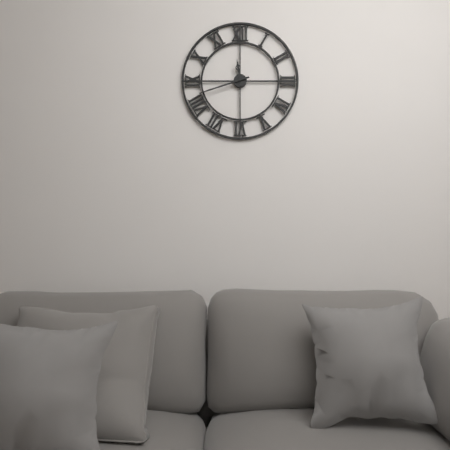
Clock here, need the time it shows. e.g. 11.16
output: 11.42
